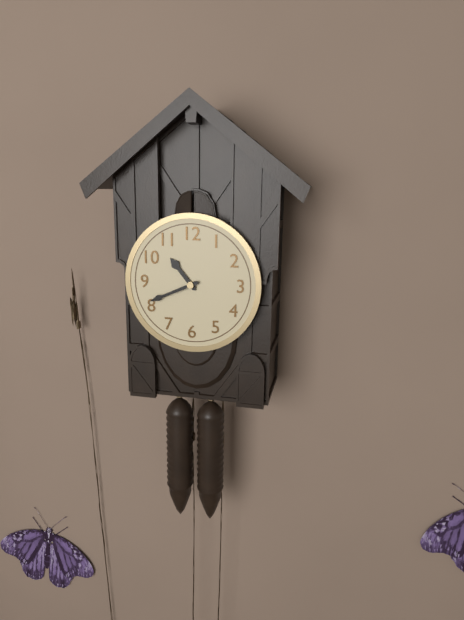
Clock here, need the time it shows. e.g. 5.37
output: 10.41
